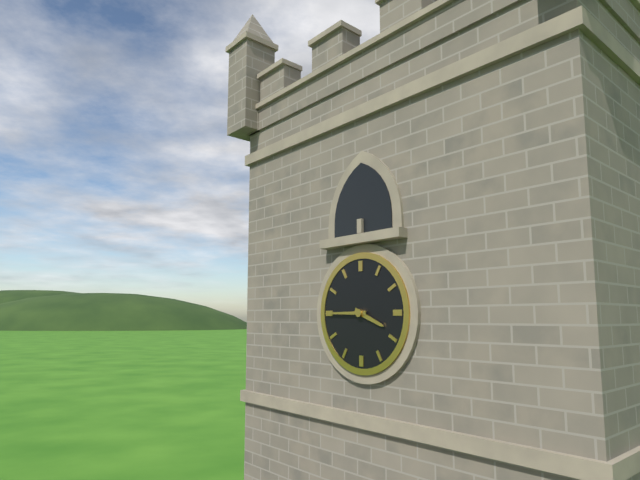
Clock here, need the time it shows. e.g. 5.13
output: 3.45
